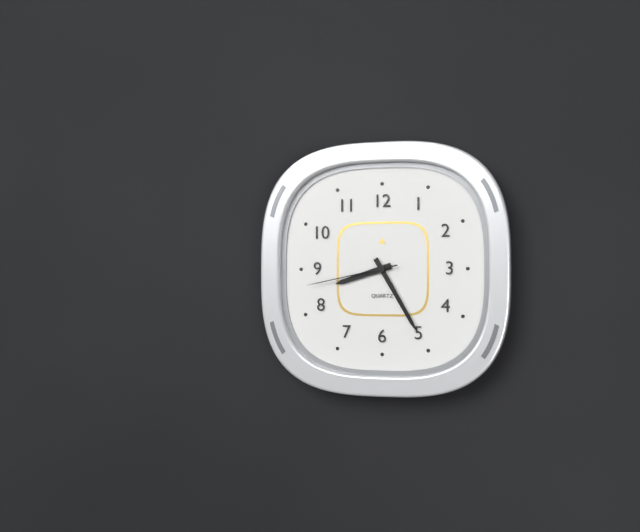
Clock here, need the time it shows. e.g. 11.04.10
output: 8.25.43
